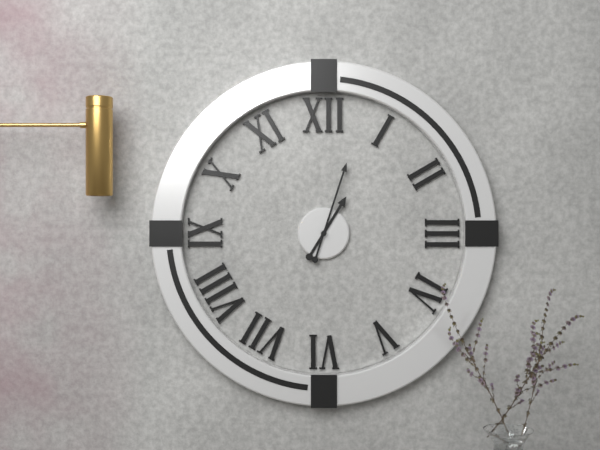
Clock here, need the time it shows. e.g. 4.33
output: 1.03
